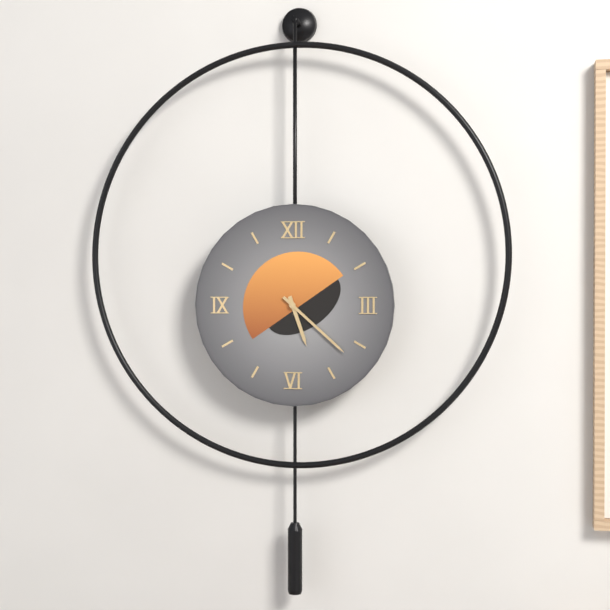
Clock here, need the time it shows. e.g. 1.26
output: 5.22
